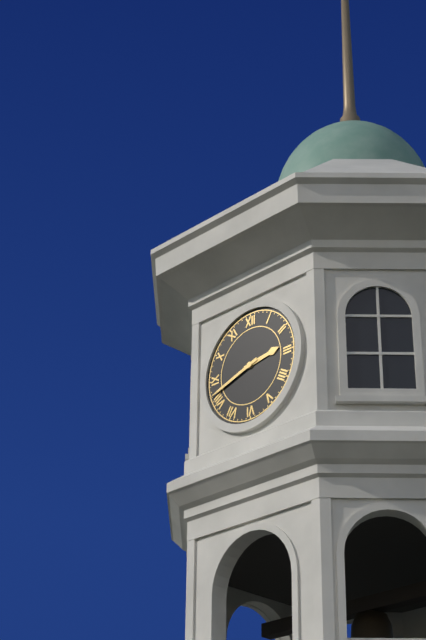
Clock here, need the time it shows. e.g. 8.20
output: 2.42
